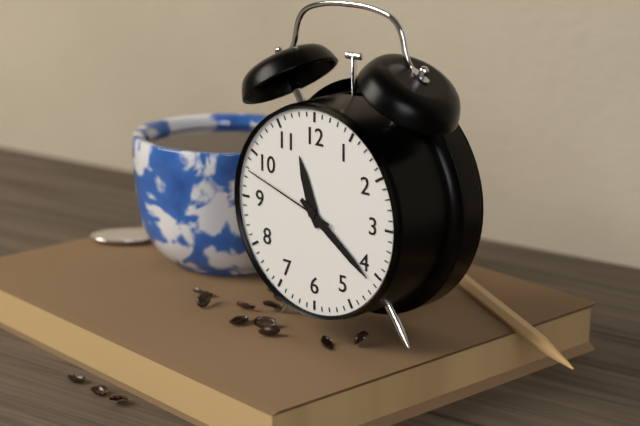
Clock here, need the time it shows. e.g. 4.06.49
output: 11.21.48
